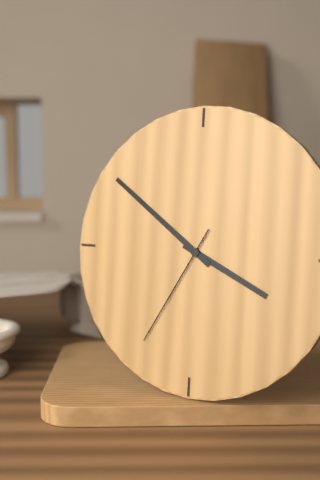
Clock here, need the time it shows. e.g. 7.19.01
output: 3.51.35
